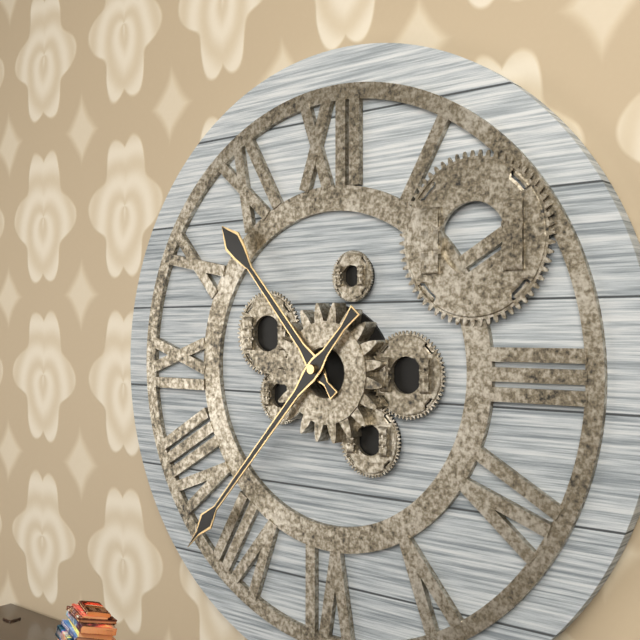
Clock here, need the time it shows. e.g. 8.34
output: 10.37
